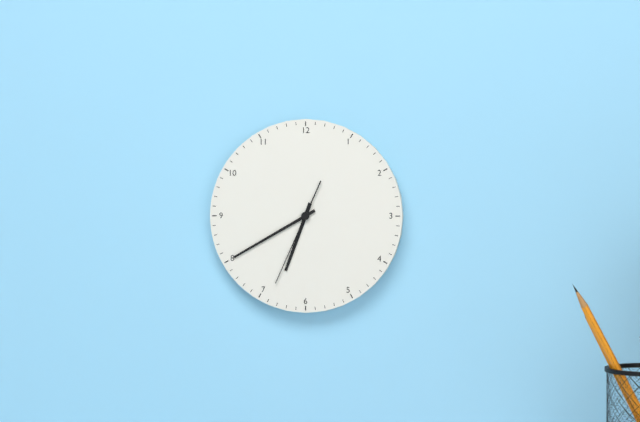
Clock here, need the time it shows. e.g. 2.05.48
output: 6.40.34
